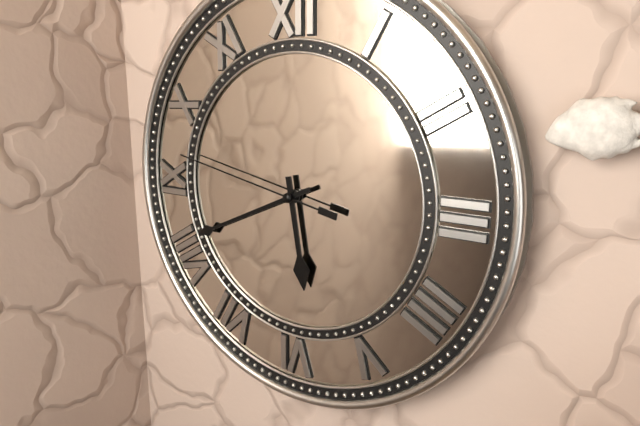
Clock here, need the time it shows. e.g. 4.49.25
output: 5.41.47
